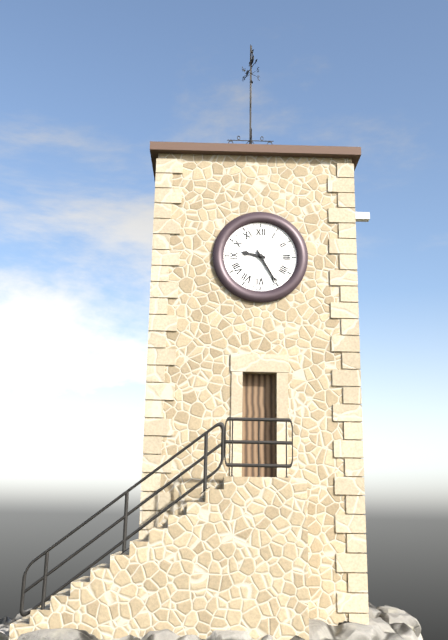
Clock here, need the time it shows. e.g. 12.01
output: 9.25
